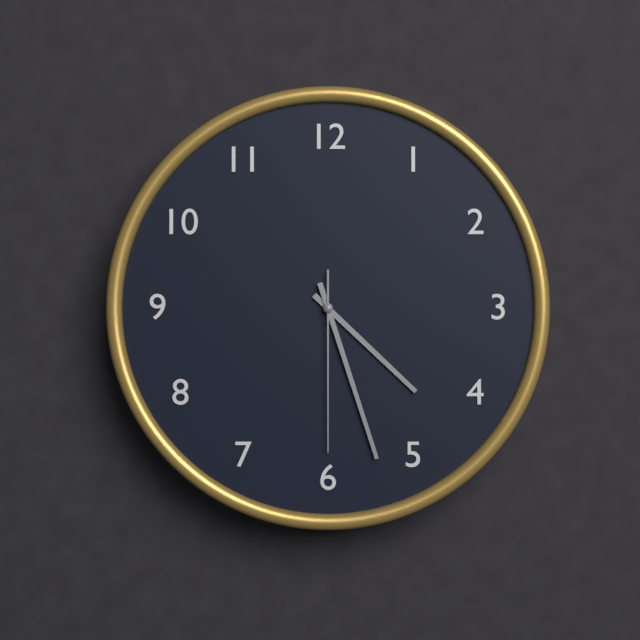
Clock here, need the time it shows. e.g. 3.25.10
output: 4.27.30
